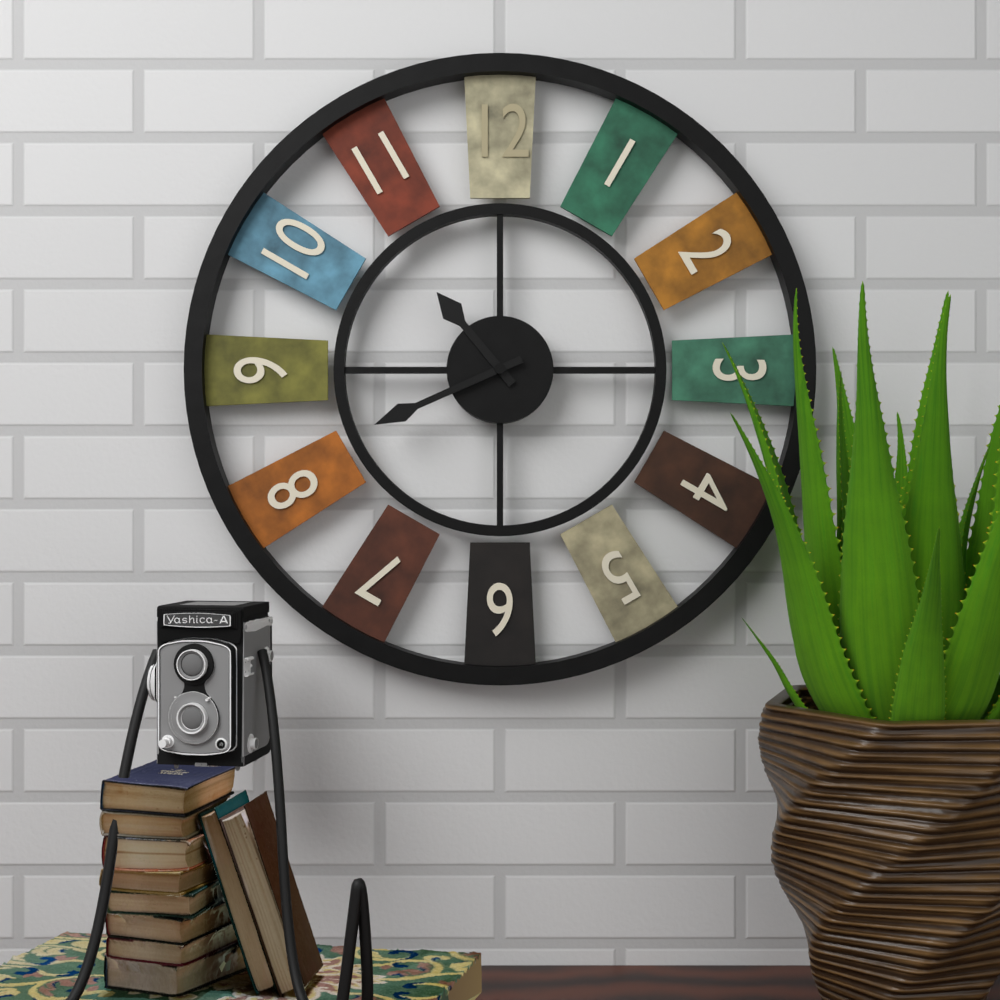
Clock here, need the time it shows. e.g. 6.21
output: 10.41
